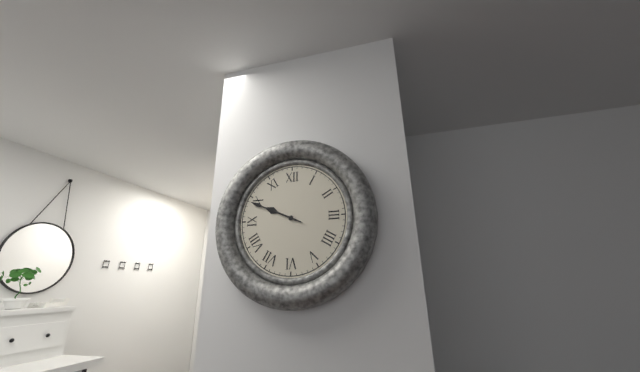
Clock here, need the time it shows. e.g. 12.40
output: 9.49
